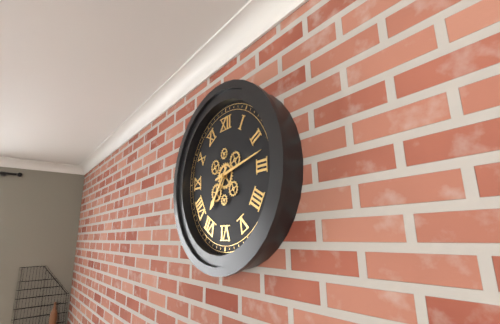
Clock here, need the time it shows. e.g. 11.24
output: 7.13
